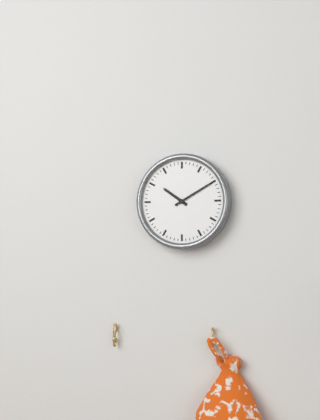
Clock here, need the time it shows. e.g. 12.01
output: 10.10
